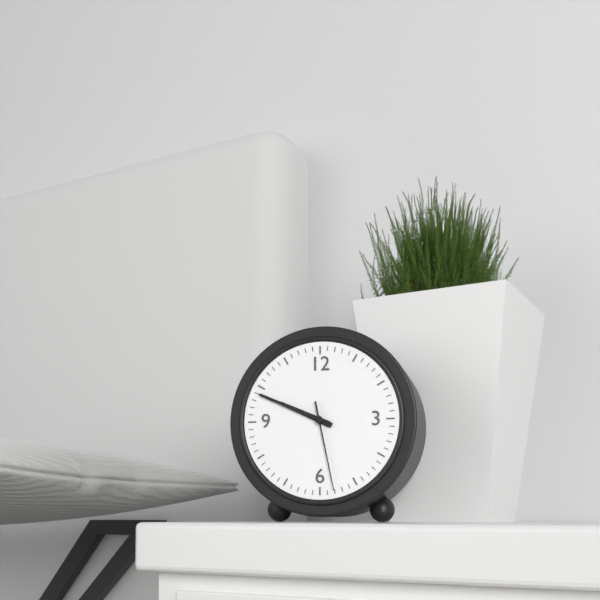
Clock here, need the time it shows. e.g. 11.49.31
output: 9.49.28
